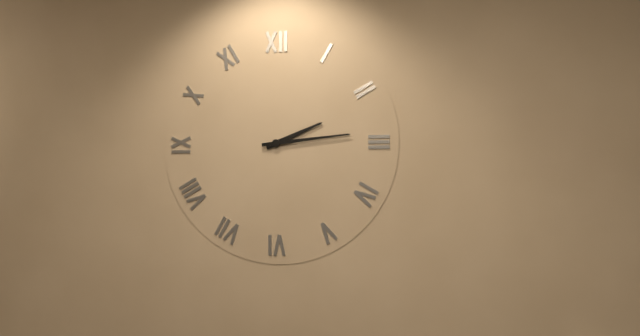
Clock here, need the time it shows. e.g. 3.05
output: 2.14
